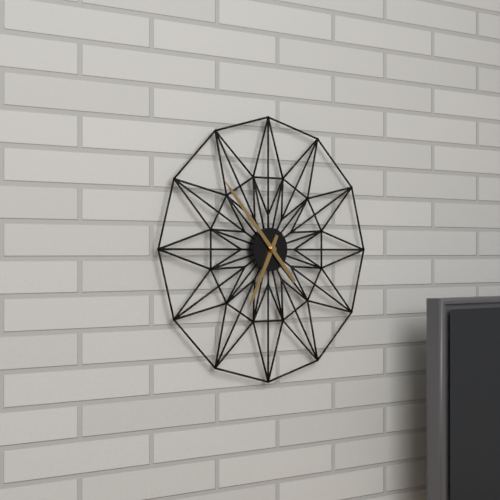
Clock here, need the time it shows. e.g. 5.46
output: 6.53
